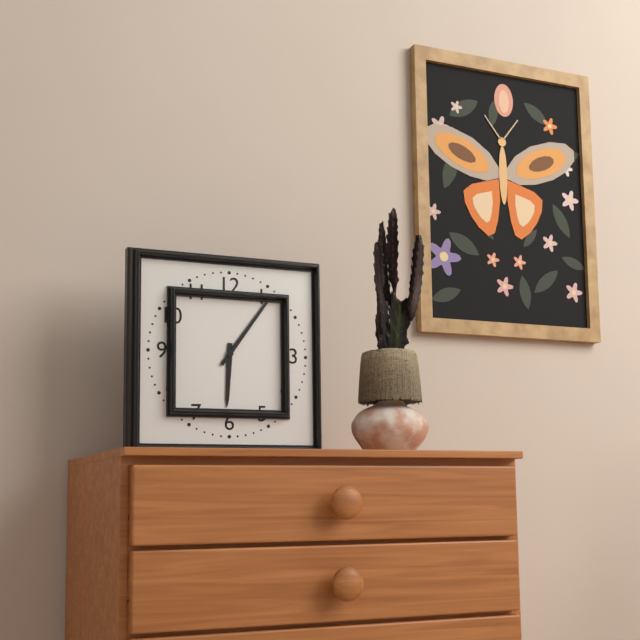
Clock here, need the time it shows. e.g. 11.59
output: 6.06
